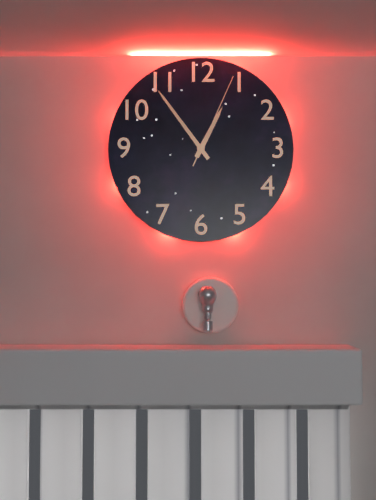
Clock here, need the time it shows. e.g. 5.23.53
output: 12.54.04
